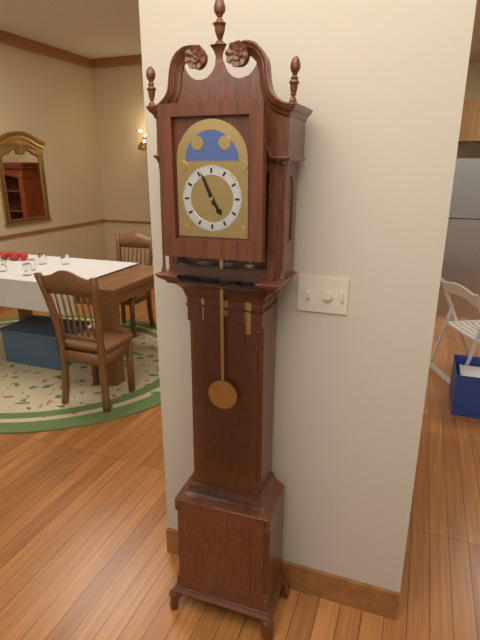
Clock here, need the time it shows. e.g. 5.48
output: 4.56
